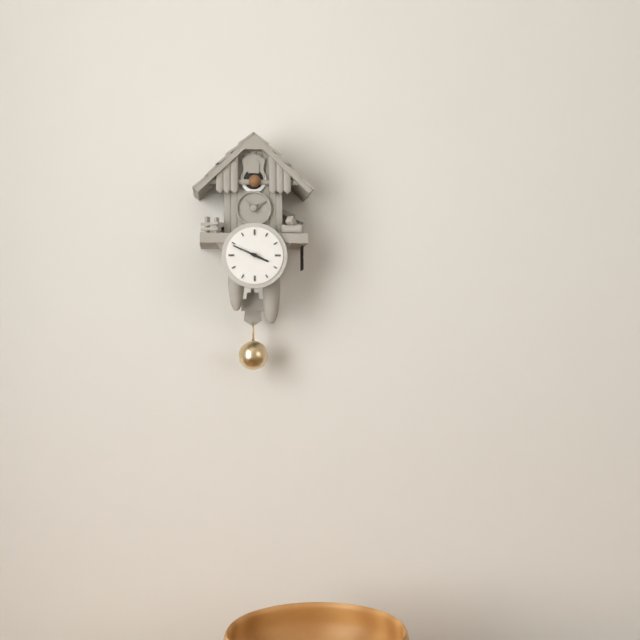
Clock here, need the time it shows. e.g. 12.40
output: 3.49
